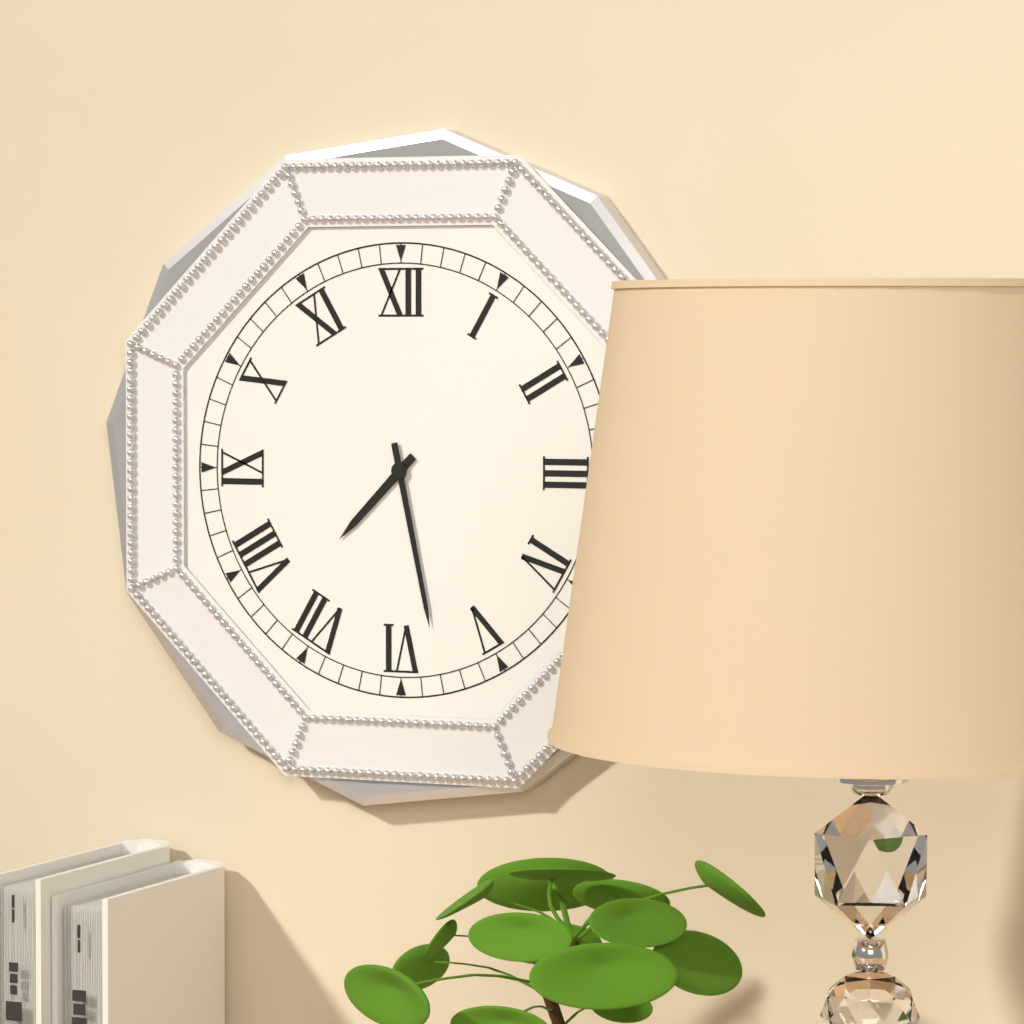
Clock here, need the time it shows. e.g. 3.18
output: 7.28
